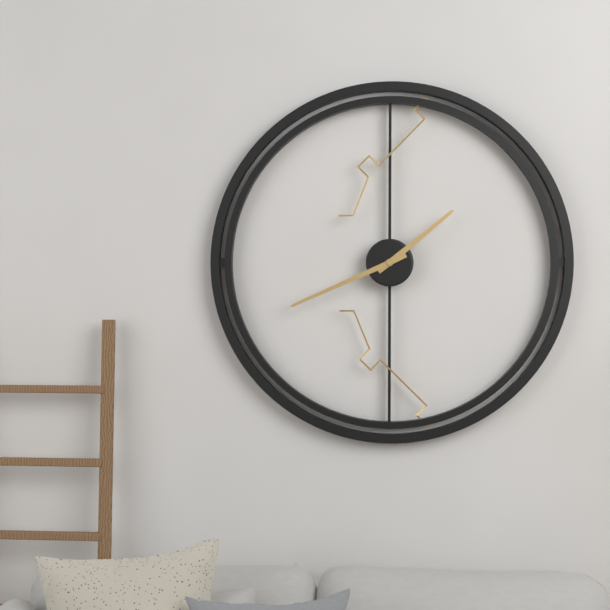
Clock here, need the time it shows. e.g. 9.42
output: 1.41
